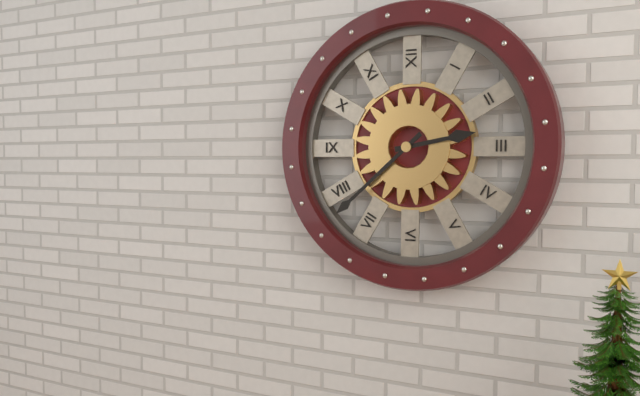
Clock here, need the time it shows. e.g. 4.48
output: 2.38
